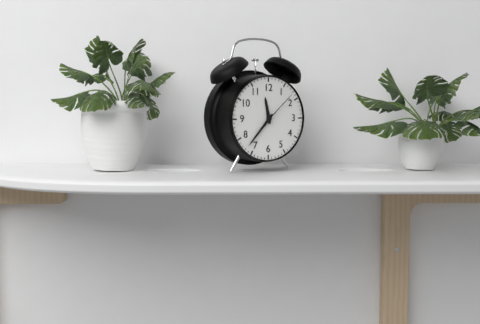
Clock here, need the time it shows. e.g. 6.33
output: 11.37
